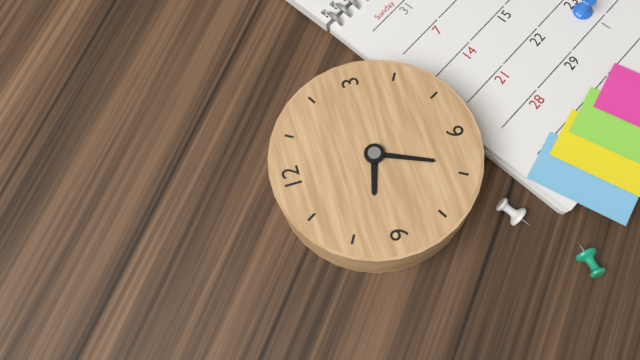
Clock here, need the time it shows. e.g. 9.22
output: 9.34
